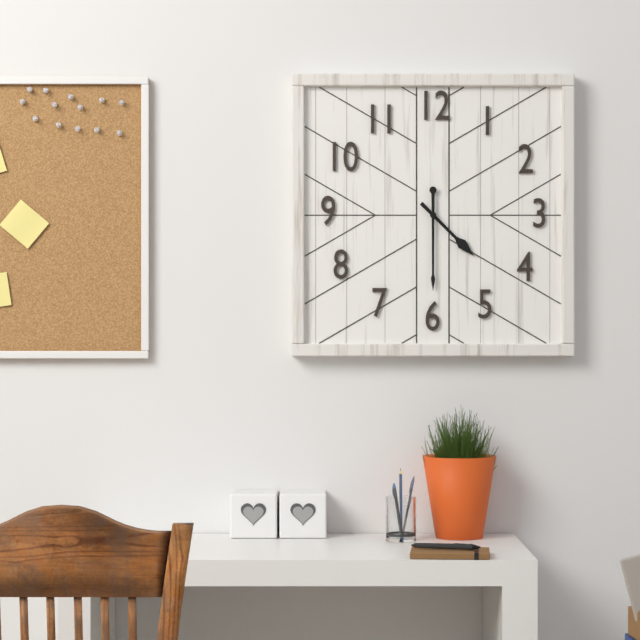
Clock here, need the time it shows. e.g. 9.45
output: 4.30
